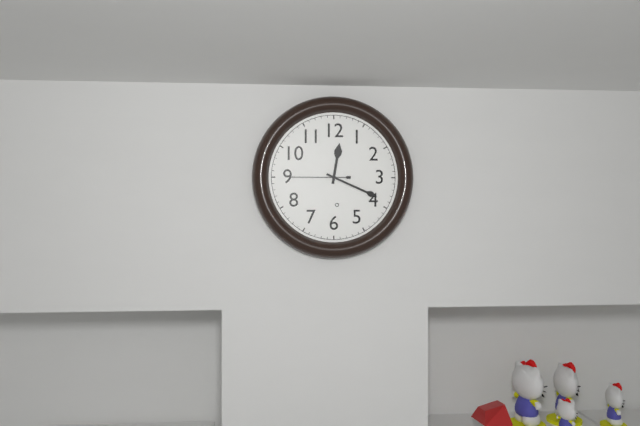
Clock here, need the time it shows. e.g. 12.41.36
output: 12.19.45
